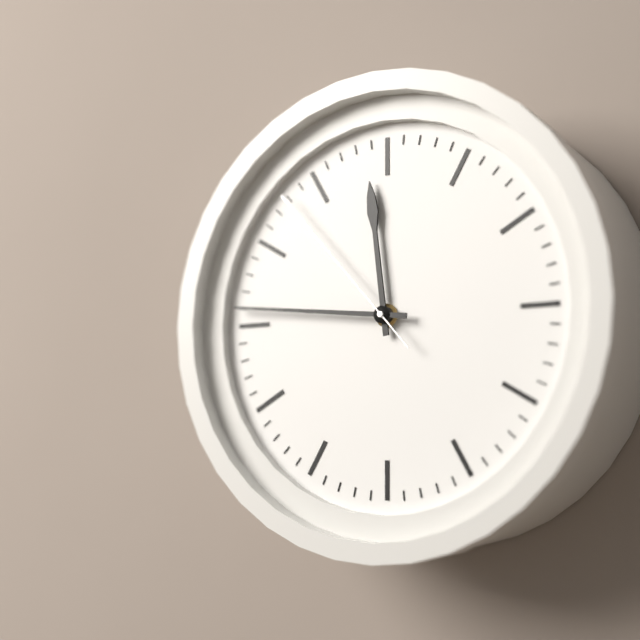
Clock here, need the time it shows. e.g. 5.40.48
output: 11.46.53
